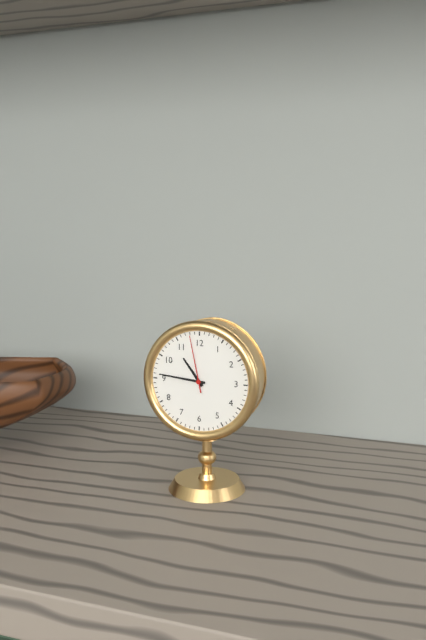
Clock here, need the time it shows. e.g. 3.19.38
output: 10.46.58
